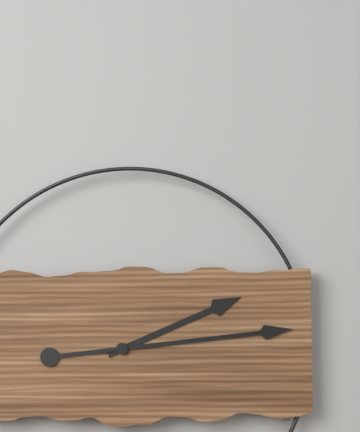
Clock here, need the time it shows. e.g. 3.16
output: 2.14
